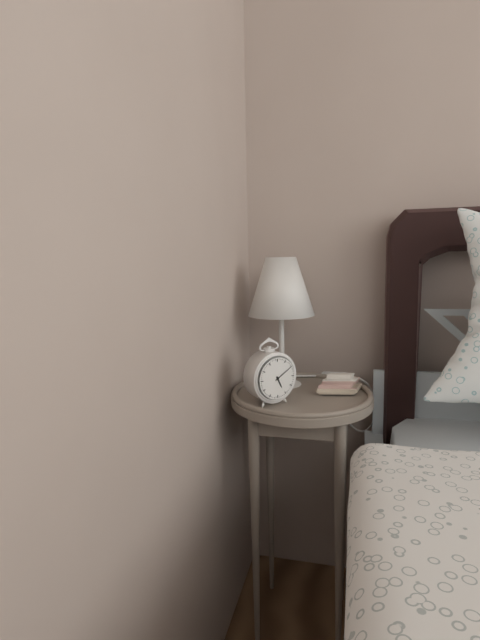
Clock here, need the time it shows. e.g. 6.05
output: 5.10
